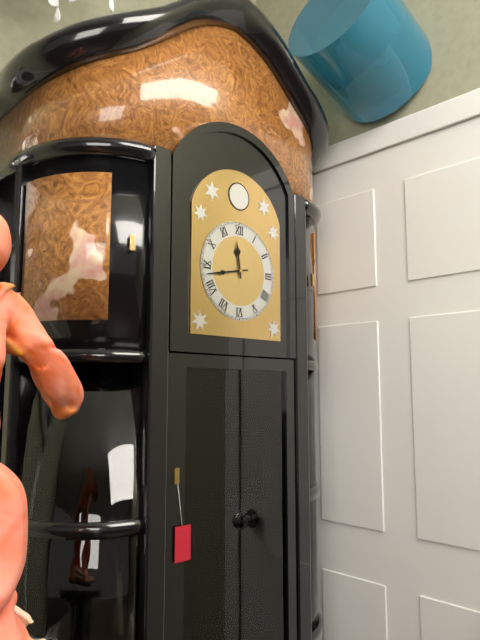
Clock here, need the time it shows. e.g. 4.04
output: 11.43
